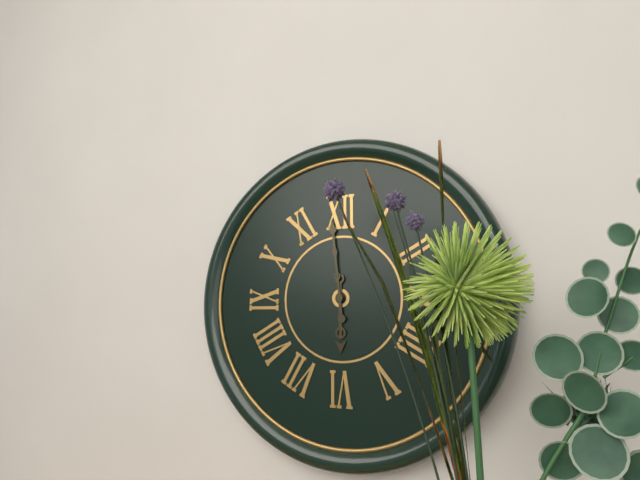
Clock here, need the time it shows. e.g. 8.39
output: 5.59
